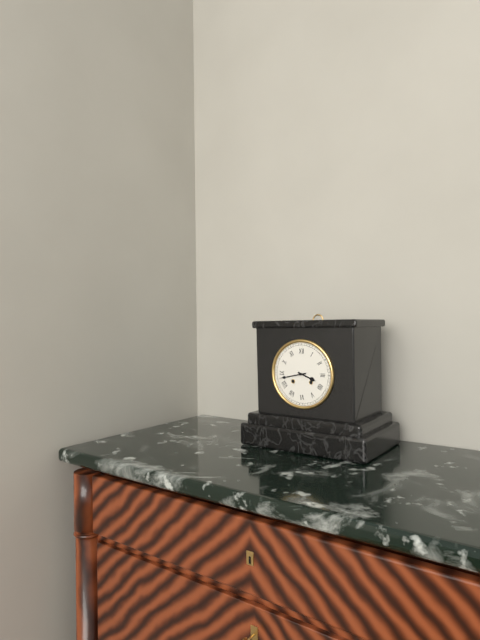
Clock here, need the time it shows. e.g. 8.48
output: 3.43
